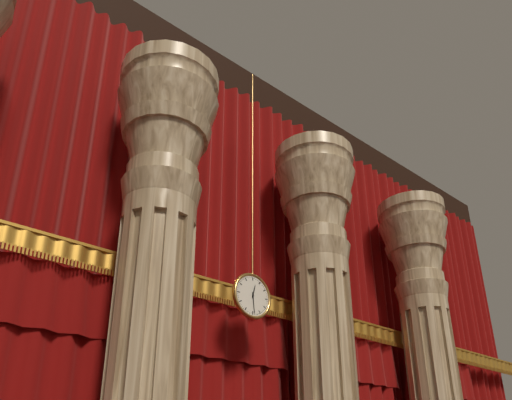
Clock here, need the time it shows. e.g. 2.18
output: 12.29
